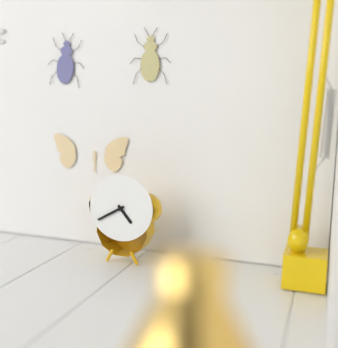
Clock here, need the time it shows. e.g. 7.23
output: 4.40
